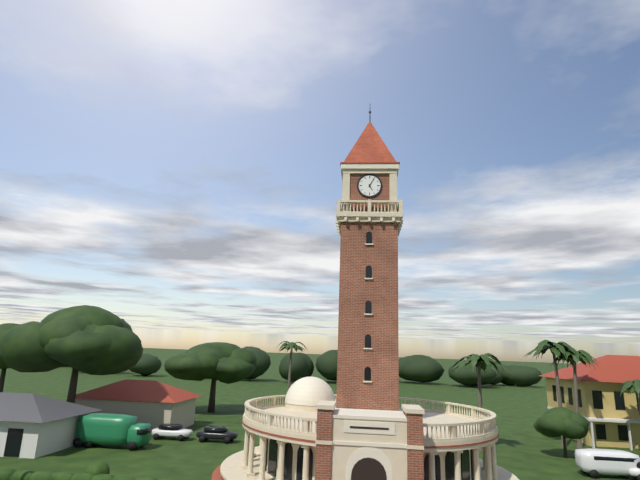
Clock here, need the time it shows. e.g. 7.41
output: 5.05
